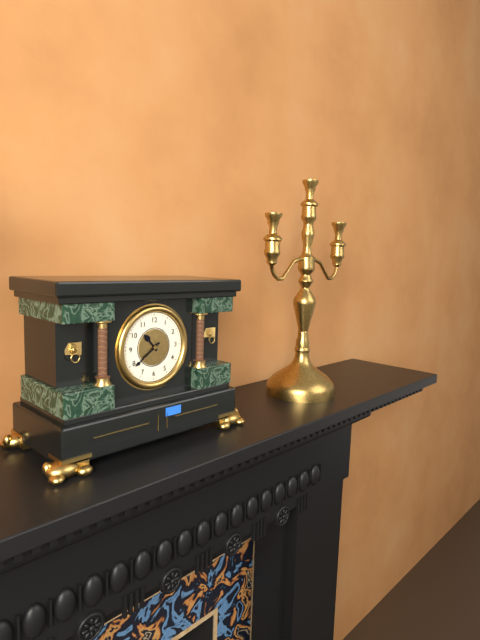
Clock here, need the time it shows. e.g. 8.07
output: 10.39
